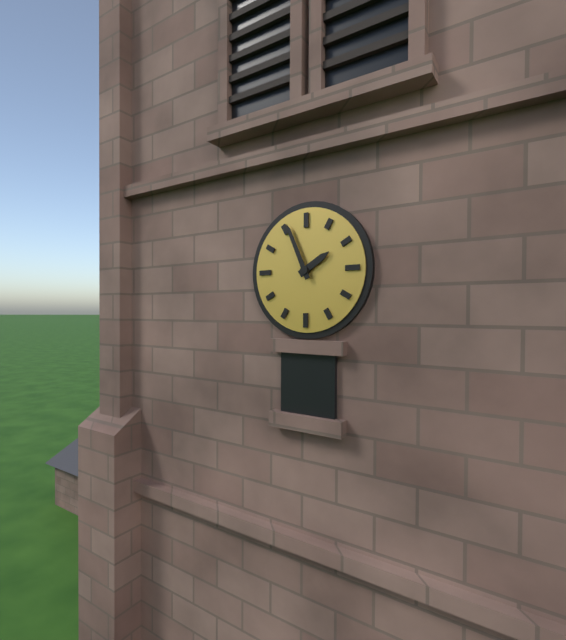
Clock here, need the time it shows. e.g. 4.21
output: 1.56
